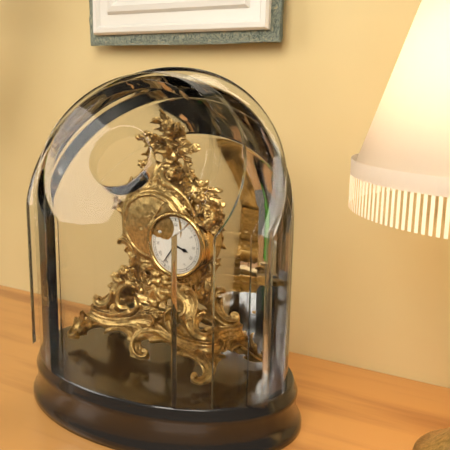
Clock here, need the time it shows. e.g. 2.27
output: 3.36
